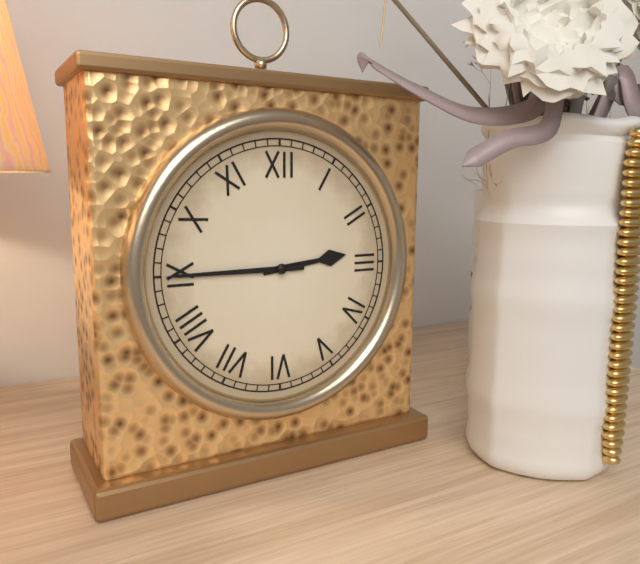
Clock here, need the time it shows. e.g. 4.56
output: 2.45
